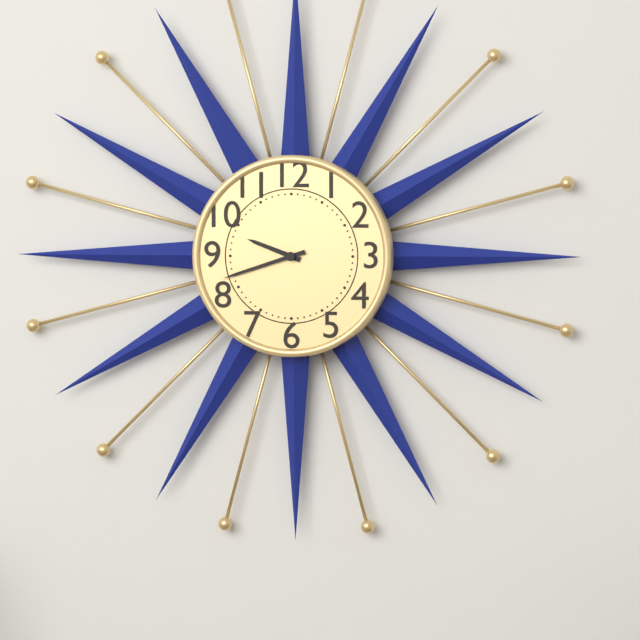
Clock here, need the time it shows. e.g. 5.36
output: 9.42
